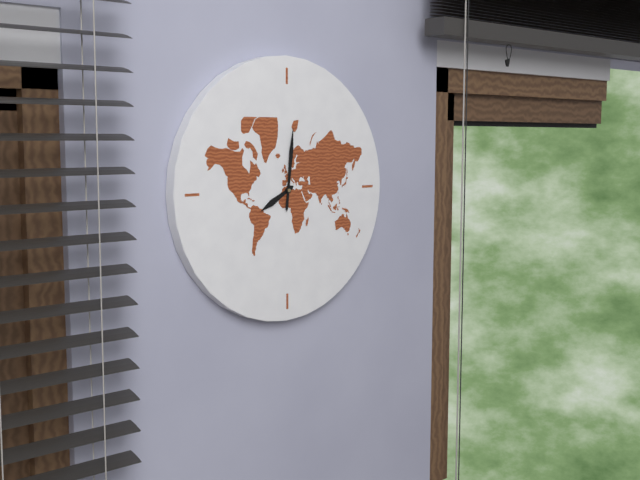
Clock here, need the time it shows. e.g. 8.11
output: 8.01
